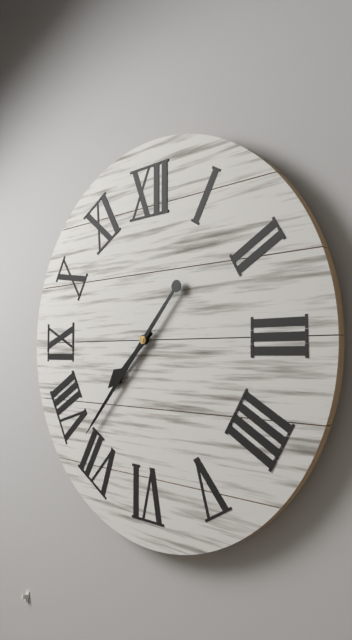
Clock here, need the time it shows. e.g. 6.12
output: 7.37
